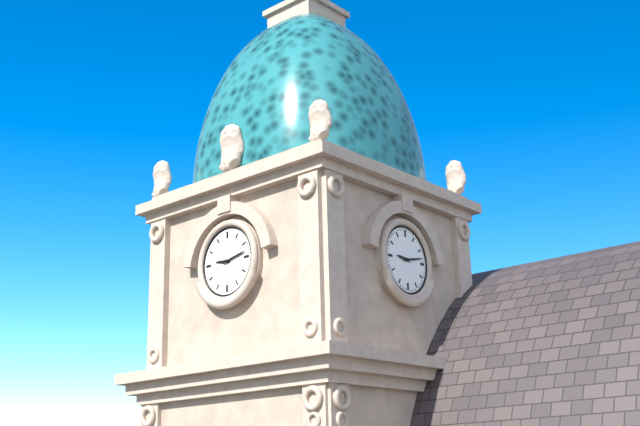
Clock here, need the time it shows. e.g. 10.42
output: 9.13
